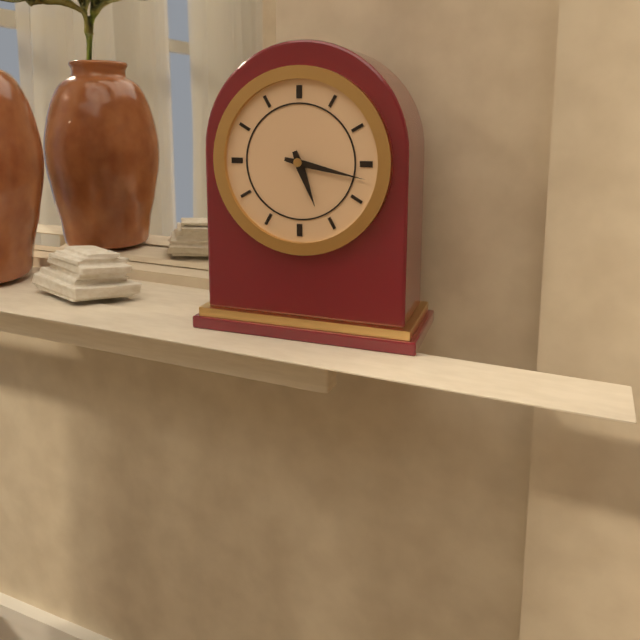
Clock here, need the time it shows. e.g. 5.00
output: 5.17
